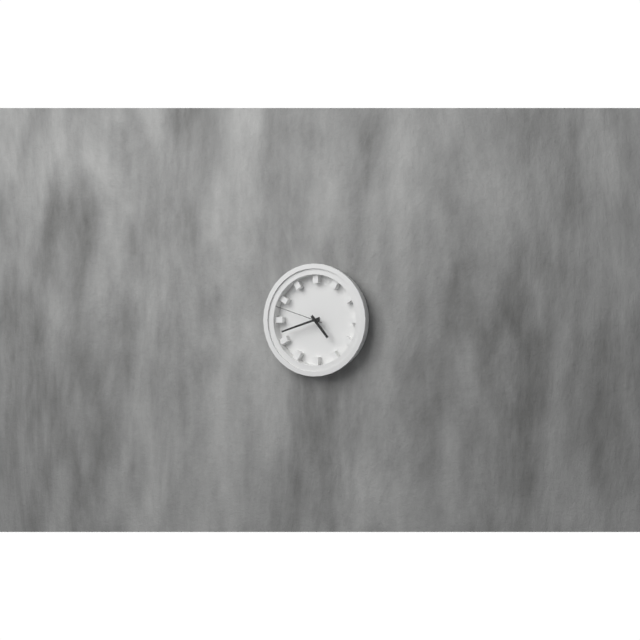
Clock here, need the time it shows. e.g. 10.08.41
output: 4.42.48
